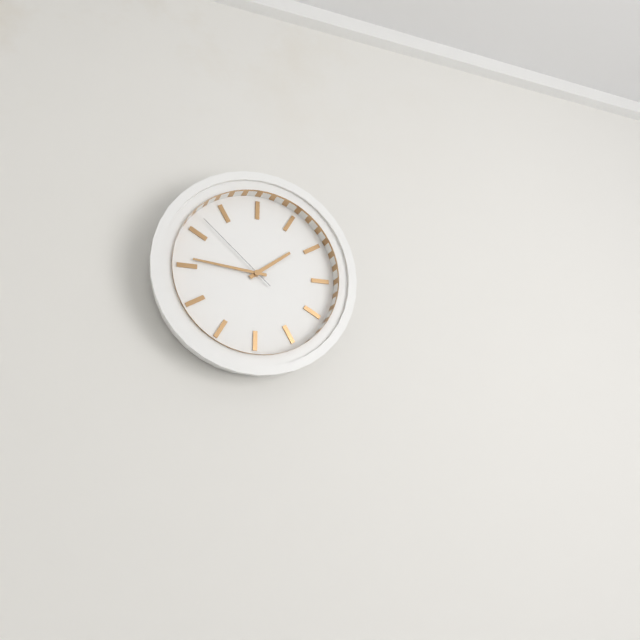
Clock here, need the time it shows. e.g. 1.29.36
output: 1.46.52
